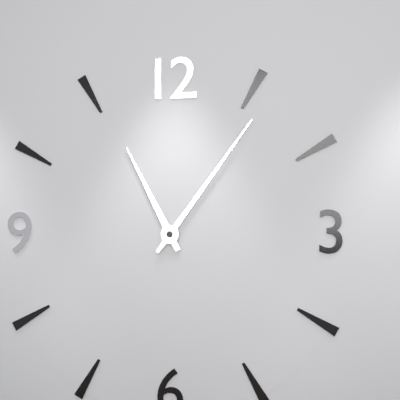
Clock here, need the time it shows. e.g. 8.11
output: 11.06
